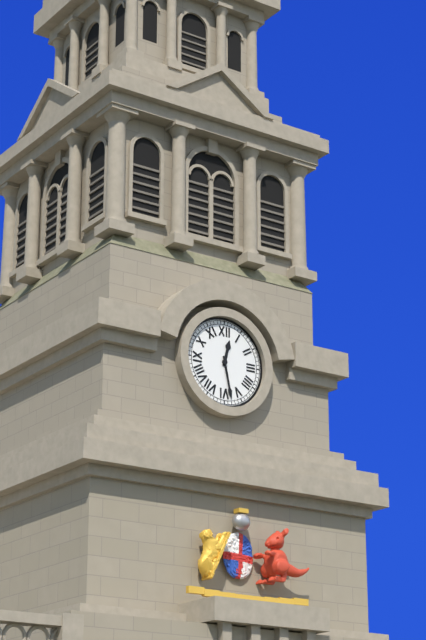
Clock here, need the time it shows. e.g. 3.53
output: 12.28
